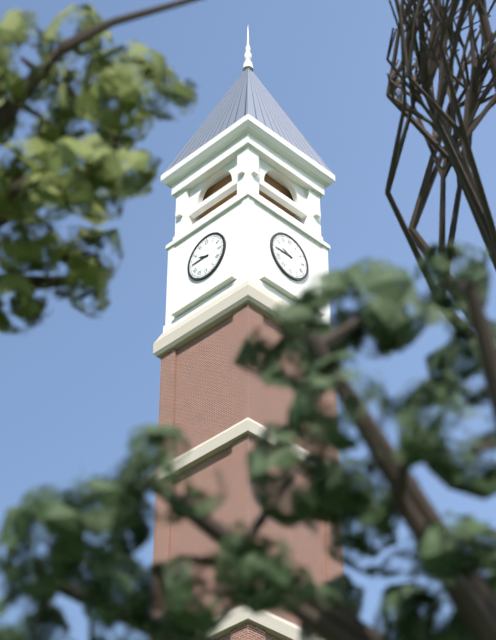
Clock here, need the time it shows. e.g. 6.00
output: 9.45
